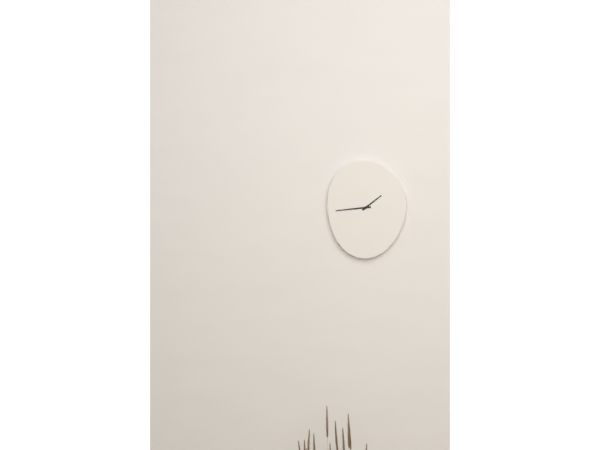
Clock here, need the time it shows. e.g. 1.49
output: 1.44
